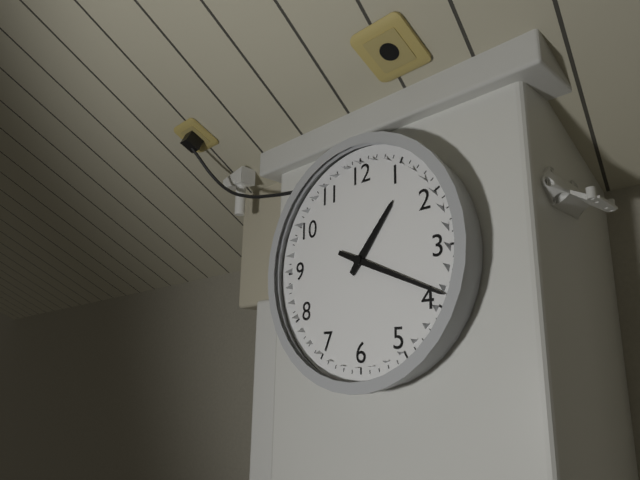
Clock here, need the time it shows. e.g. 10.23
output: 1.19
